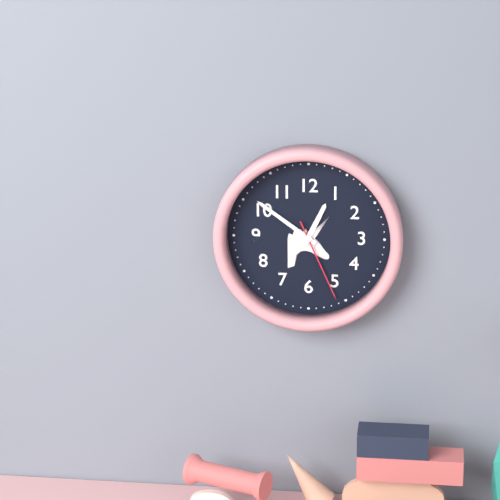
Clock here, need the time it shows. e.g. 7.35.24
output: 12.51.26
